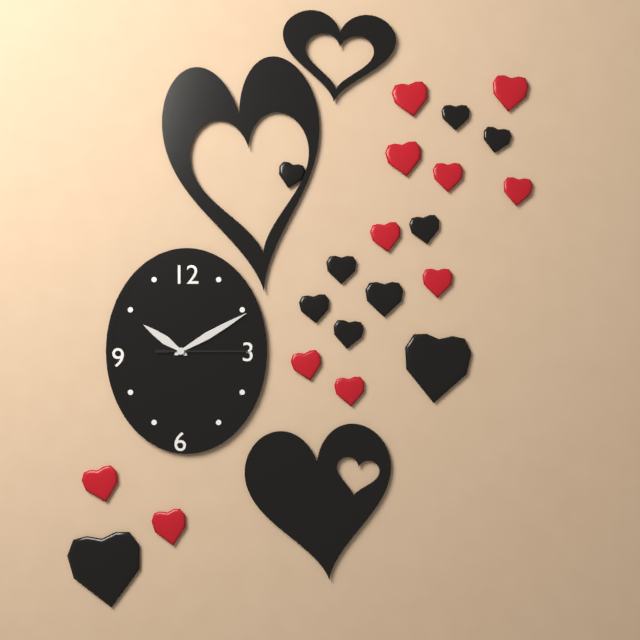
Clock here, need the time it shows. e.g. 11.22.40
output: 10.10.15
